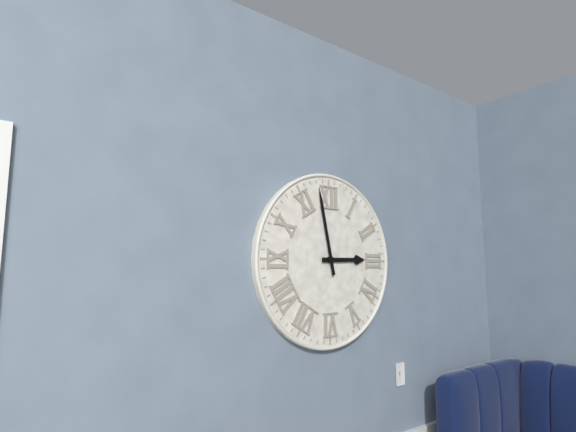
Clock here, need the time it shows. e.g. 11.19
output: 2.58
